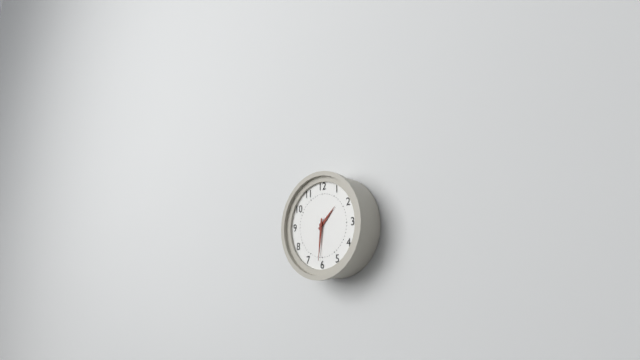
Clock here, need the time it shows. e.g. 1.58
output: 1.31
